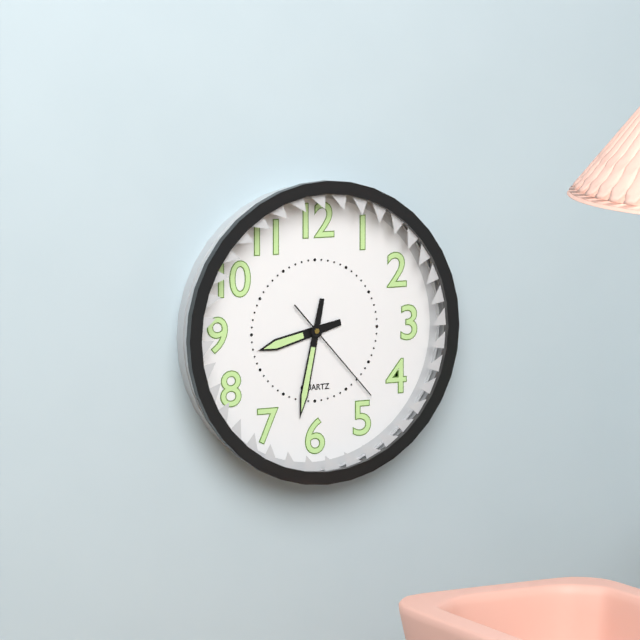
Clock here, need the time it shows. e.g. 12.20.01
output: 8.32.23
